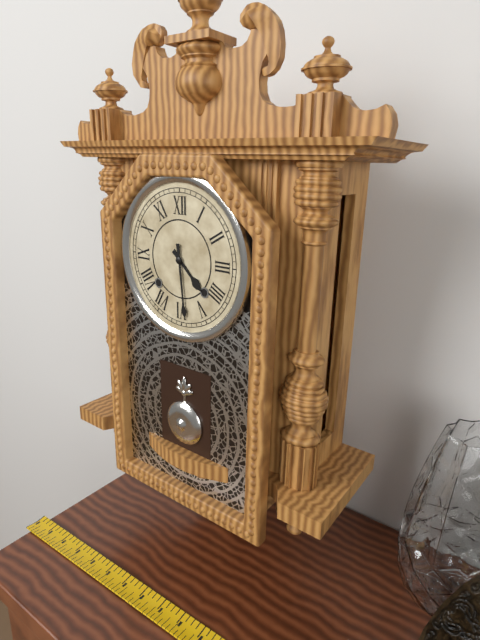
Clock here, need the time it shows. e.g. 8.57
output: 4.29
